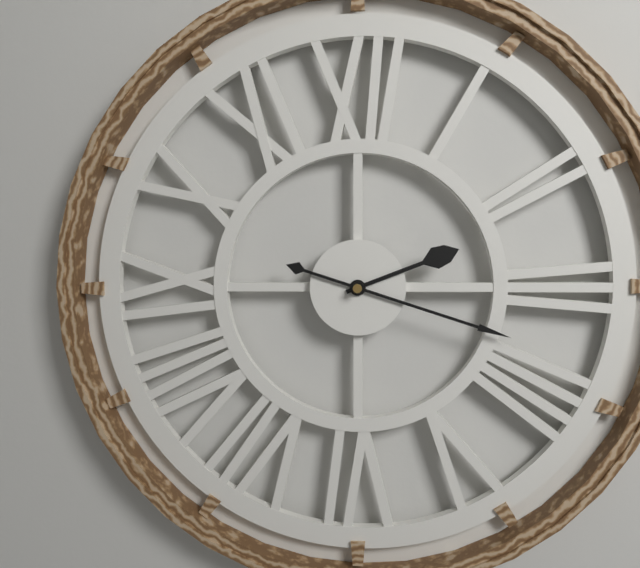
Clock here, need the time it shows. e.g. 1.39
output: 2.18
